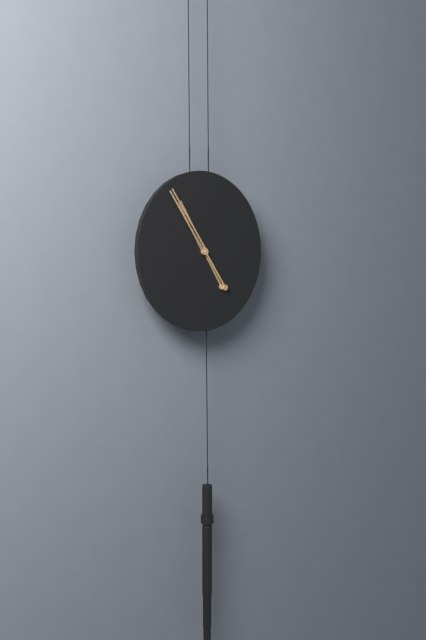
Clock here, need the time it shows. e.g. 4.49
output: 10.54
